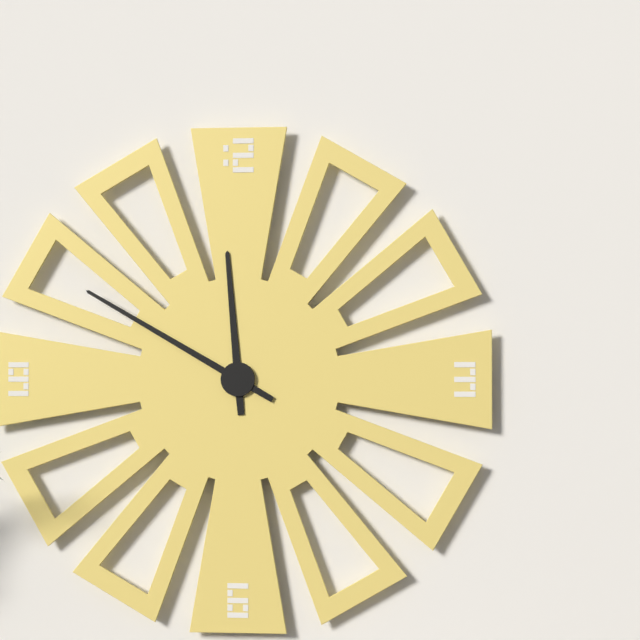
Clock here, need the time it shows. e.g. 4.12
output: 11.50
